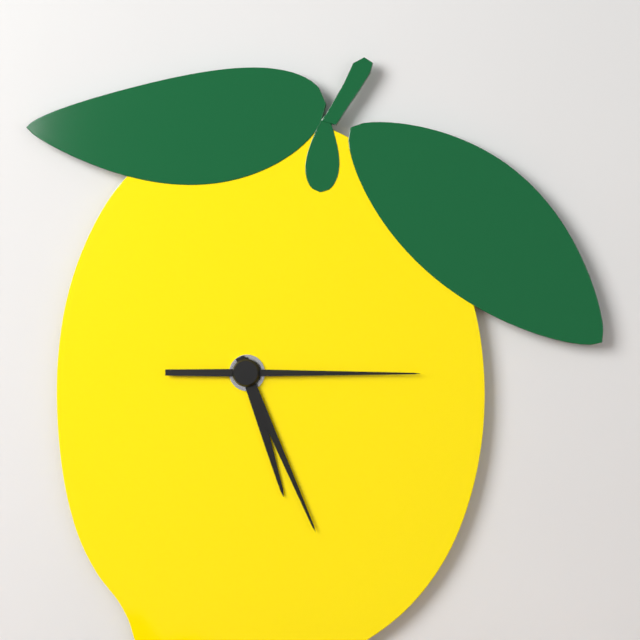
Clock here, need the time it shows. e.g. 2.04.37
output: 5.26.15
